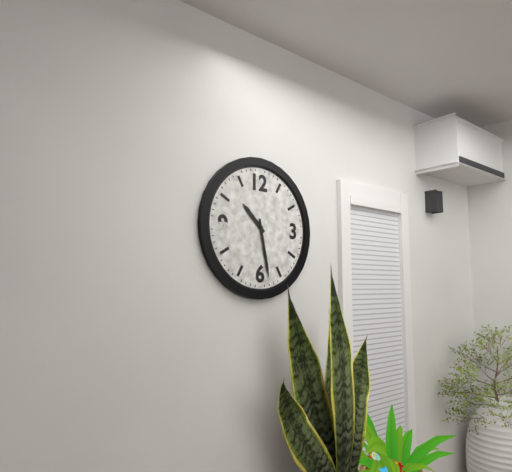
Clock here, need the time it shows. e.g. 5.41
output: 10.28
